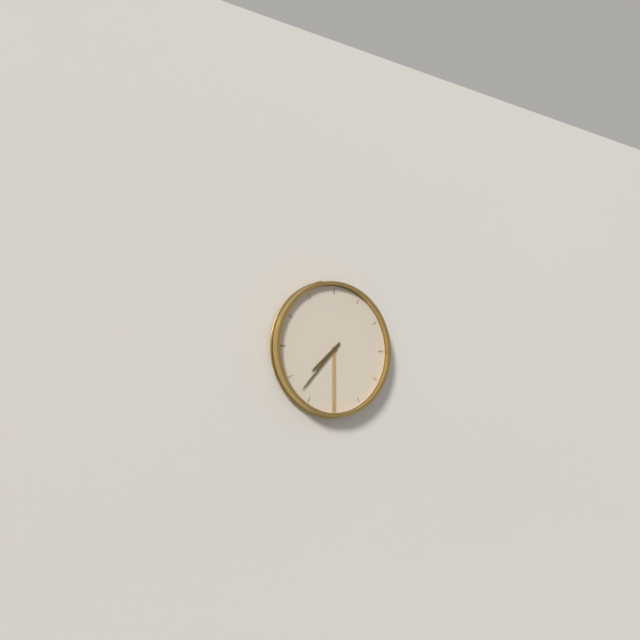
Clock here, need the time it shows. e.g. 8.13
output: 7.37
